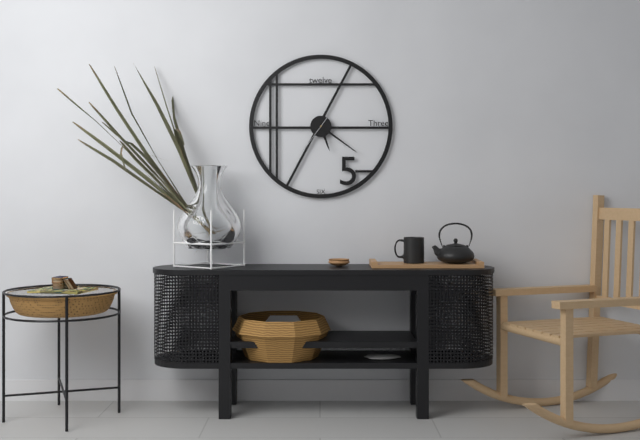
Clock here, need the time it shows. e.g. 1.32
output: 5.21
